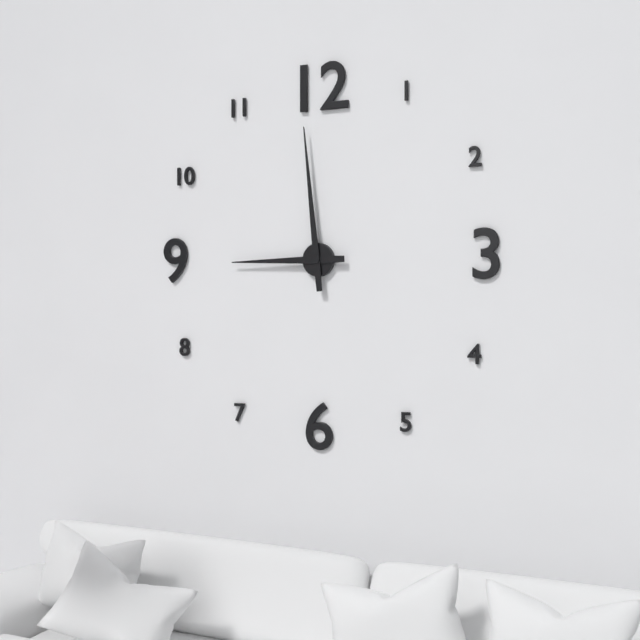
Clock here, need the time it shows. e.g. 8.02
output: 8.59
